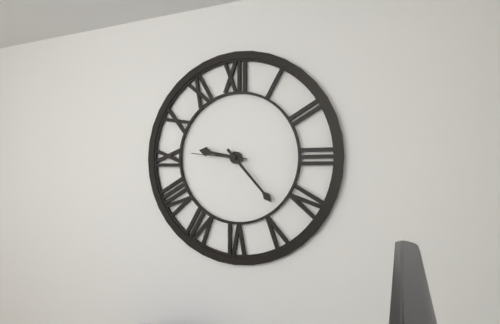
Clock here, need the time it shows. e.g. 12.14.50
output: 9.23.46
